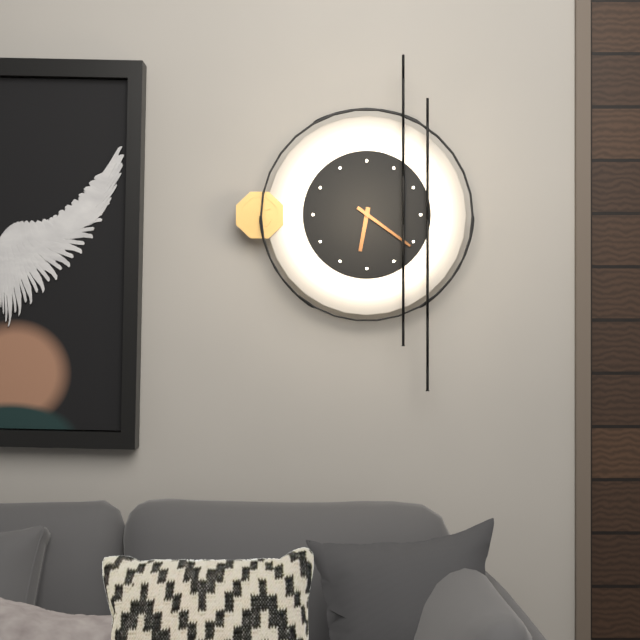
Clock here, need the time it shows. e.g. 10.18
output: 6.21
